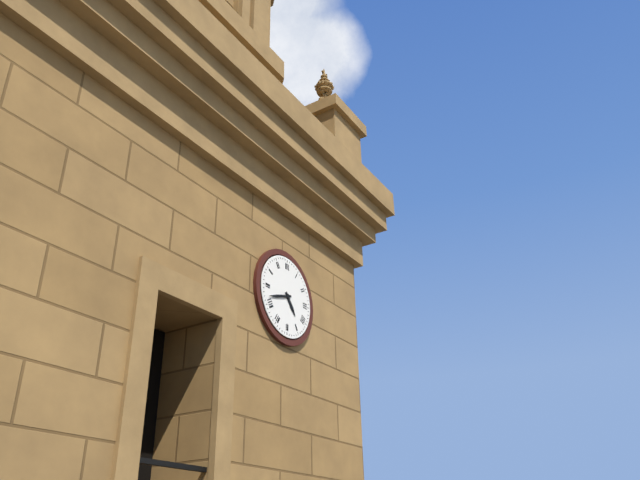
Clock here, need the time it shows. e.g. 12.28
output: 4.42
